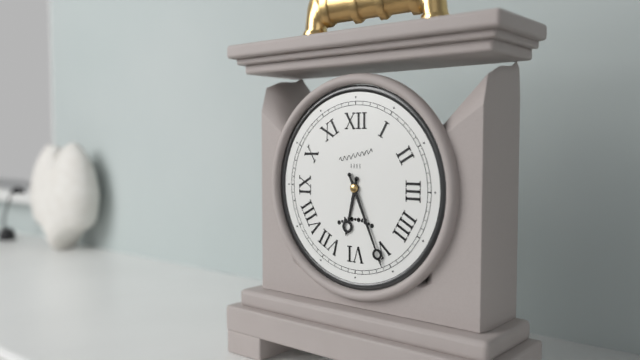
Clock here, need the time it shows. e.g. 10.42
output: 6.26
